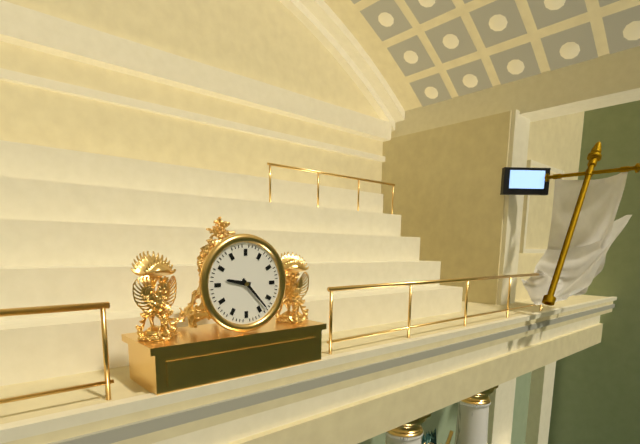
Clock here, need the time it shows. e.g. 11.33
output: 9.23
